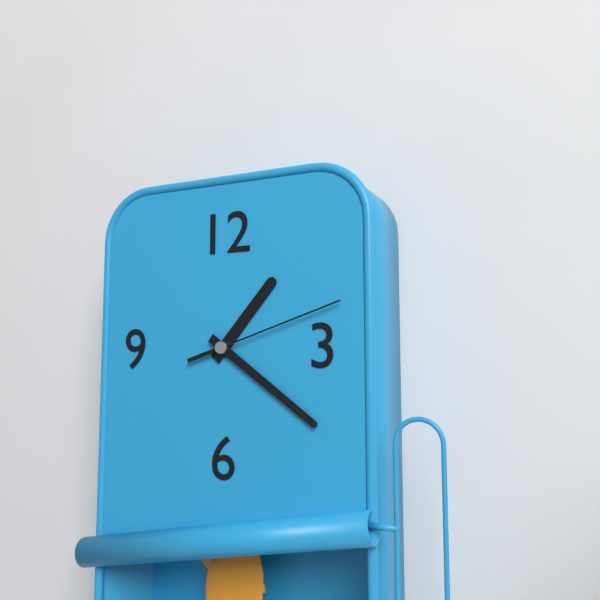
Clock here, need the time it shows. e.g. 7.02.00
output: 1.21.12
